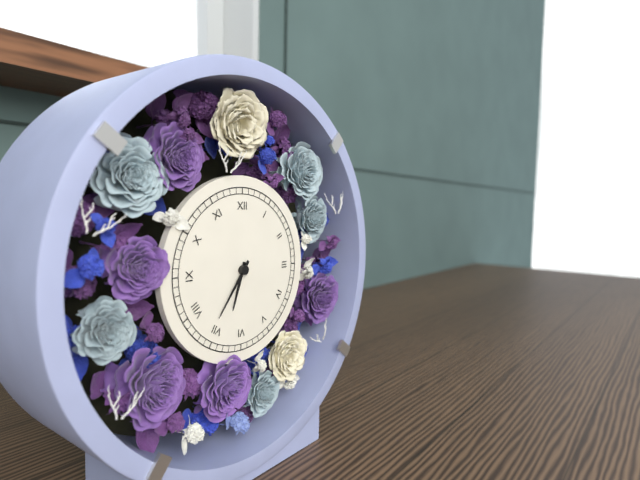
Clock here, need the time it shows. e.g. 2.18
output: 6.36
